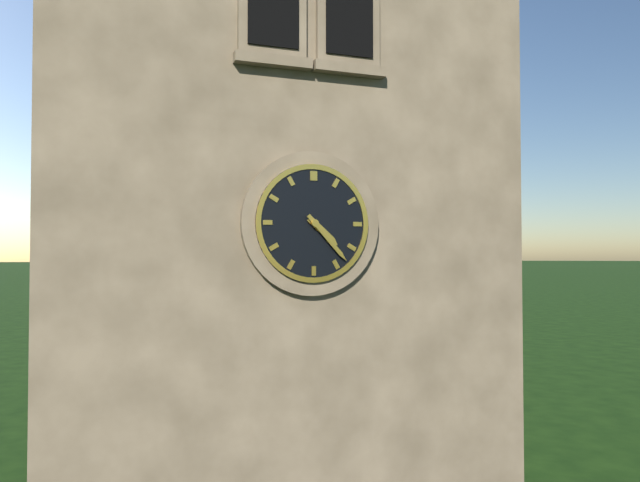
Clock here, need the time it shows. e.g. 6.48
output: 4.23
